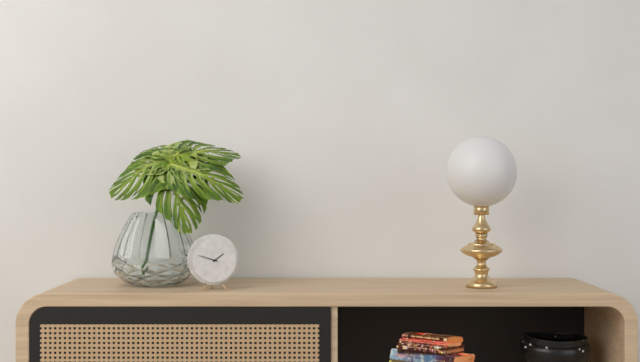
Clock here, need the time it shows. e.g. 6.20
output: 1.48
